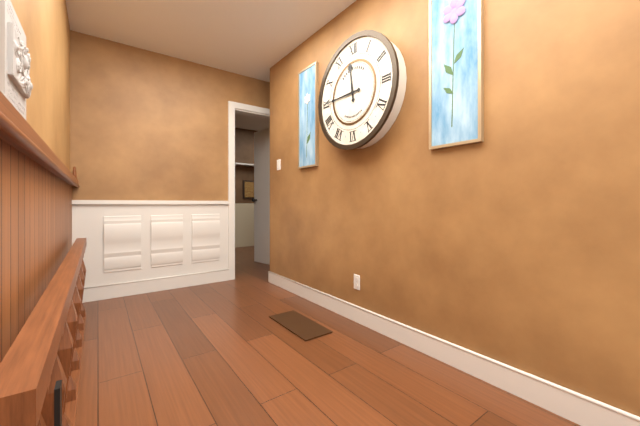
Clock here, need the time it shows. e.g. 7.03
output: 11.45
